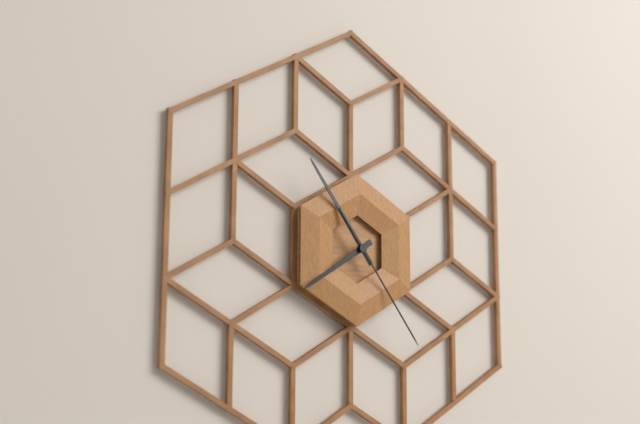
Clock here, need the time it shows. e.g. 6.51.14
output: 7.54.24
